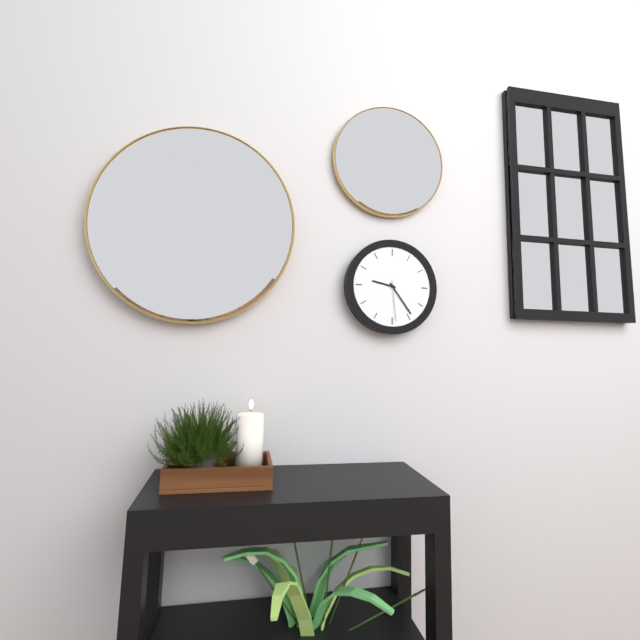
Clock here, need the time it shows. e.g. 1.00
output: 9.24
